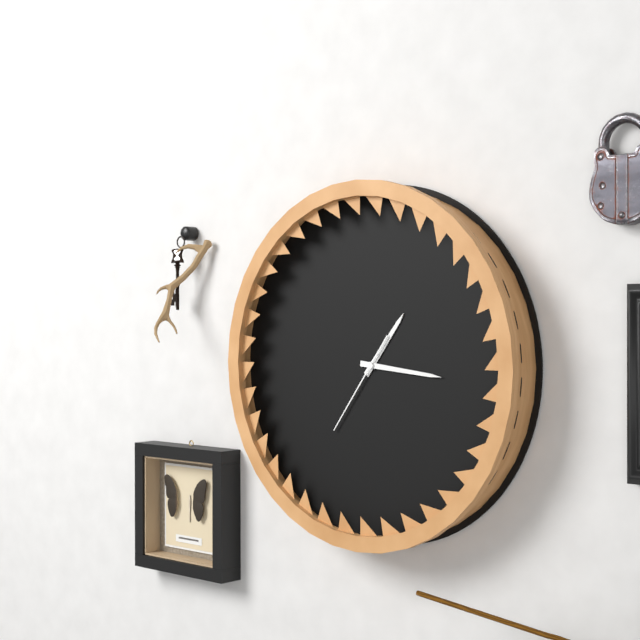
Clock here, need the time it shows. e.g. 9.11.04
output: 1.16.36
